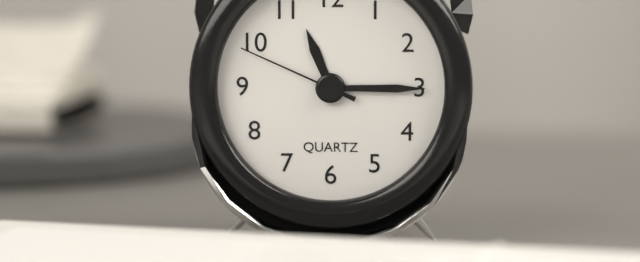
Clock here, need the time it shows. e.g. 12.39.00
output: 11.15.49
